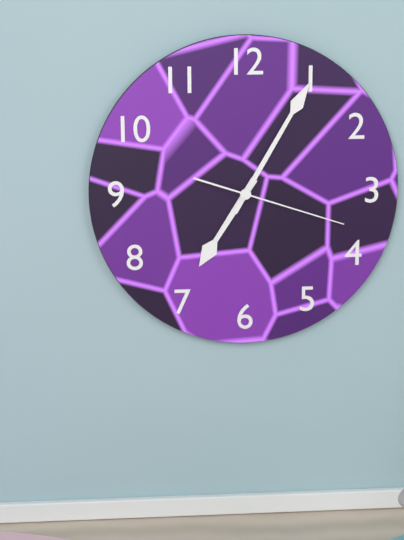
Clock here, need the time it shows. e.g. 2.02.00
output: 7.05.18
